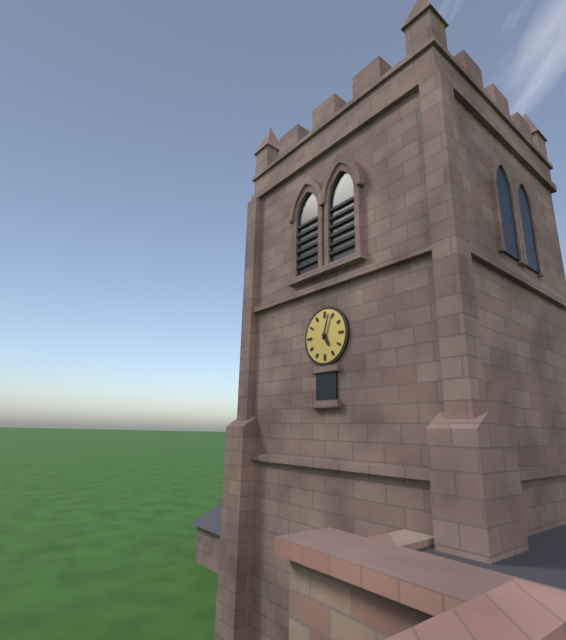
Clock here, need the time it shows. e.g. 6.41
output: 5.03
